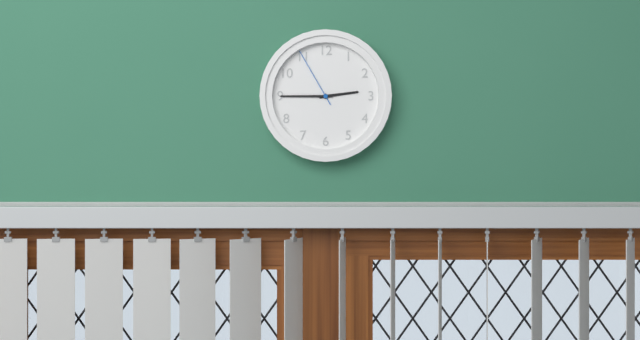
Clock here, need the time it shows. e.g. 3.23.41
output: 2.45.55
